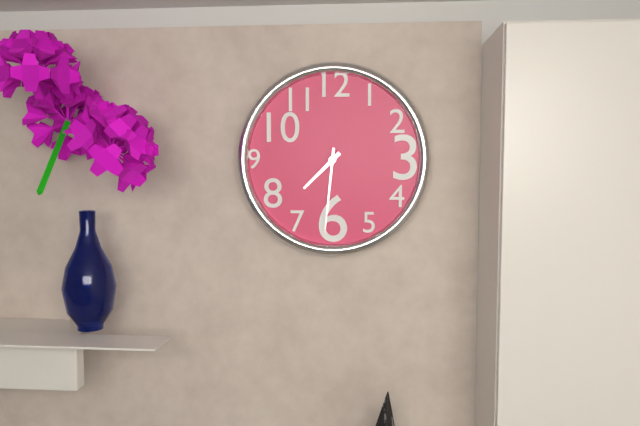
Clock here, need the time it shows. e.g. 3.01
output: 7.31
